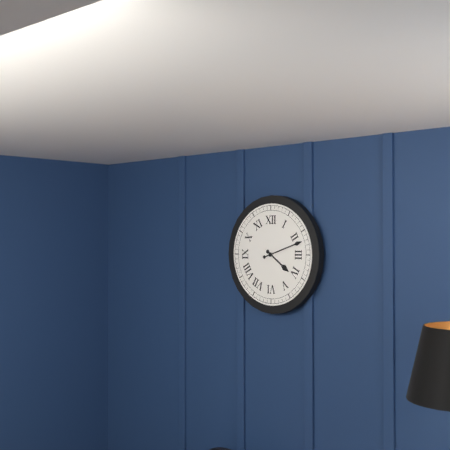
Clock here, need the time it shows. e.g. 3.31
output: 4.12
